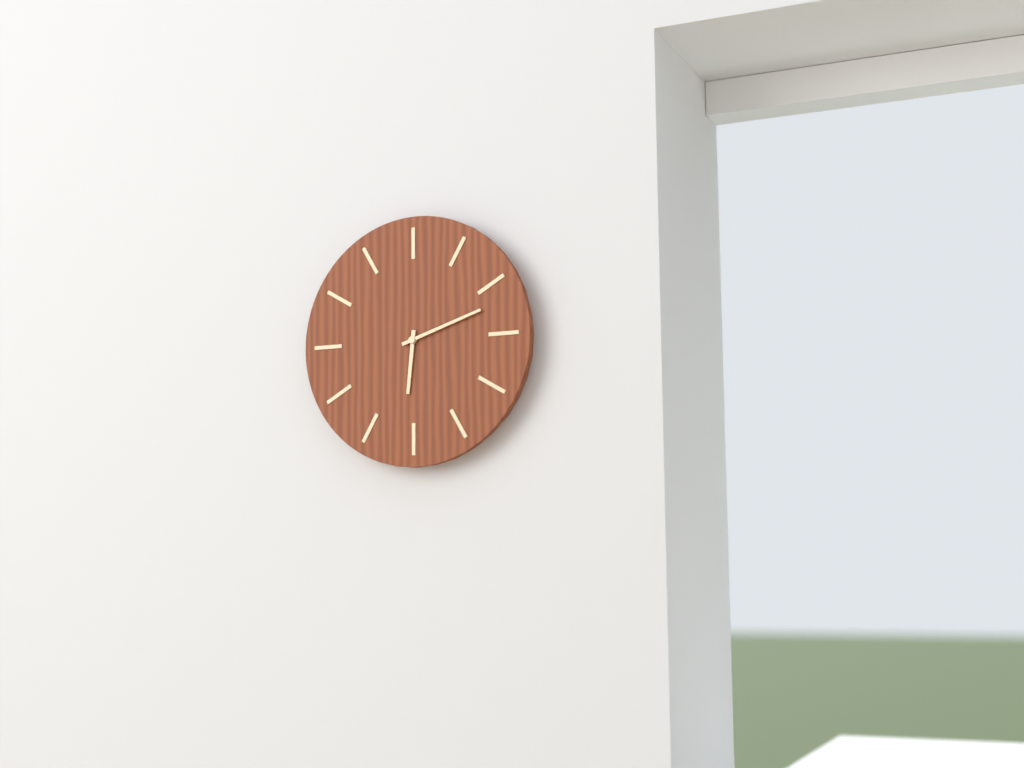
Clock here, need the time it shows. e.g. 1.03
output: 6.12
